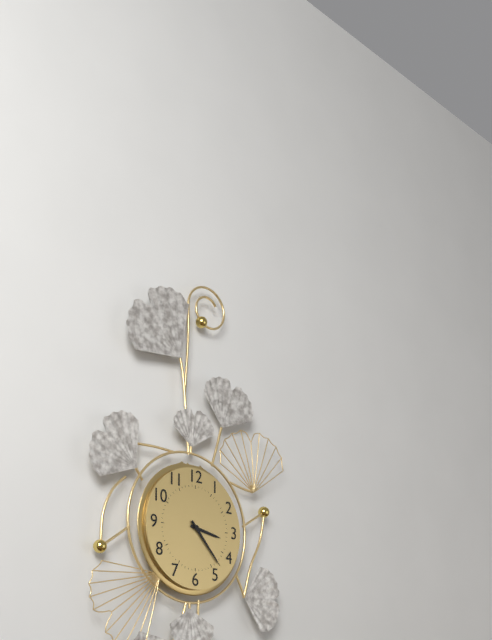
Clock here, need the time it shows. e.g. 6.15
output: 3.23
